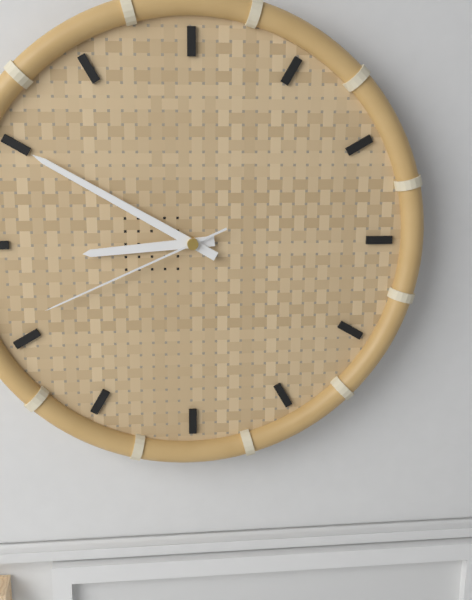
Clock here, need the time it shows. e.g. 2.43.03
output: 8.50.41
